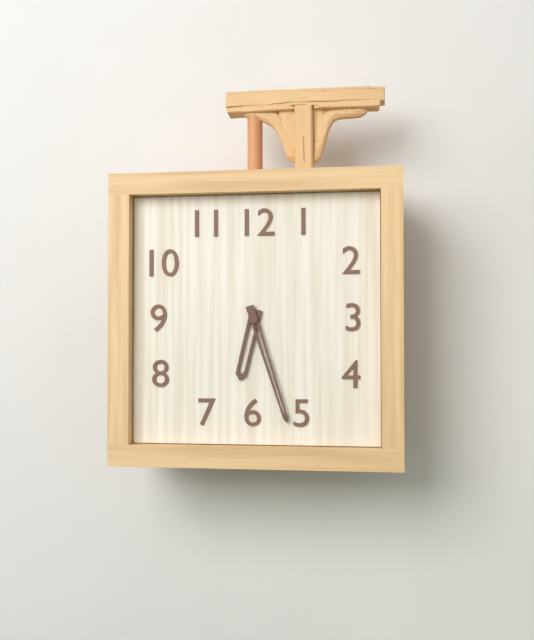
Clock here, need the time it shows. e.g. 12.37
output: 6.27
